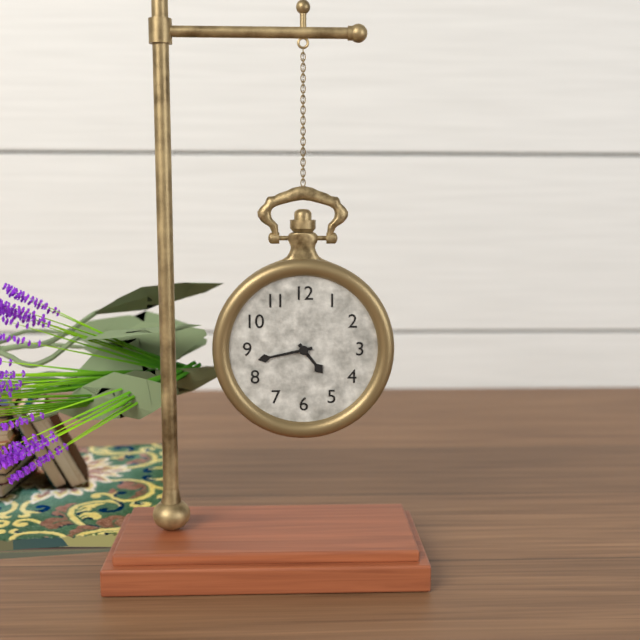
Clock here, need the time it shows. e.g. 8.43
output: 4.43
